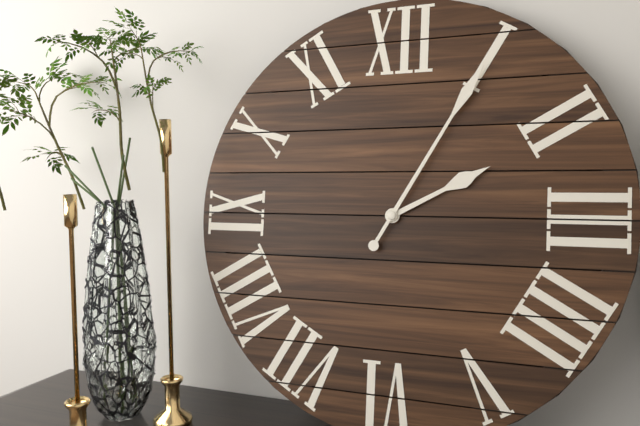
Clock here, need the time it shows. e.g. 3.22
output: 2.05
